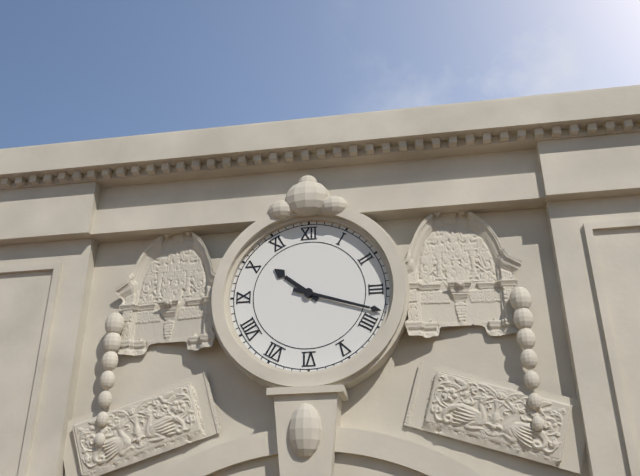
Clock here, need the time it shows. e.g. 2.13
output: 10.18
